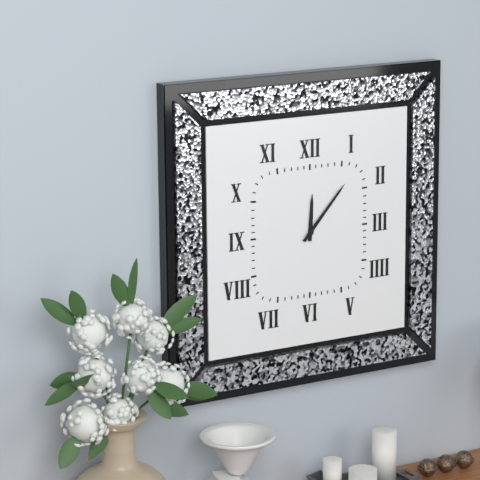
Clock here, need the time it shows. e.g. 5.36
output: 12.07
